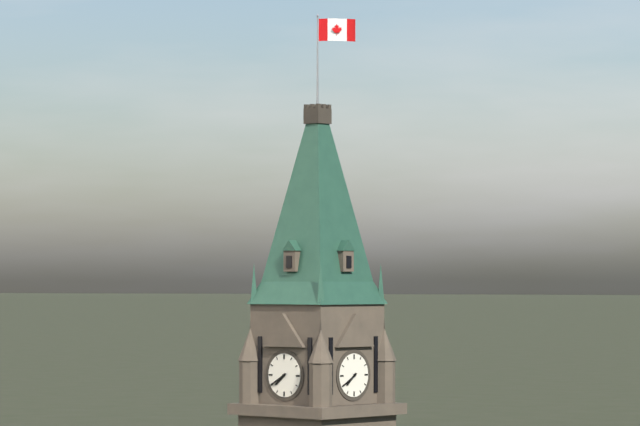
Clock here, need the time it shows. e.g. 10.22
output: 7.40
